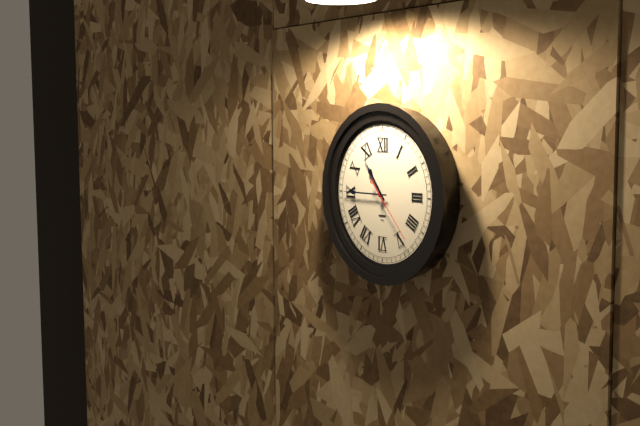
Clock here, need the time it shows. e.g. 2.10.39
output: 10.45.23
